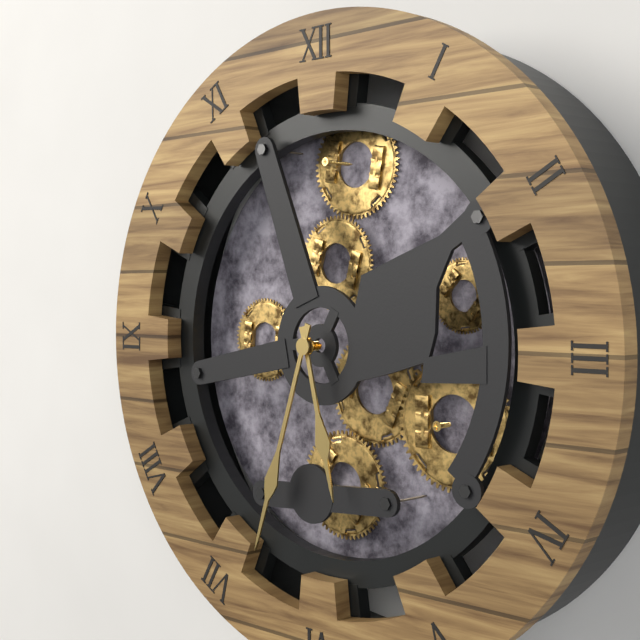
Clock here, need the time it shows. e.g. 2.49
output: 5.33
